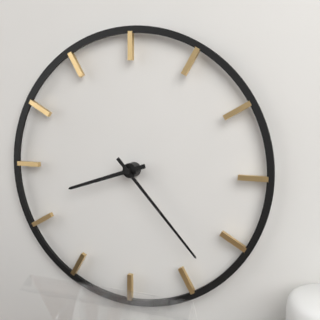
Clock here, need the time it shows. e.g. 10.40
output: 8.23
